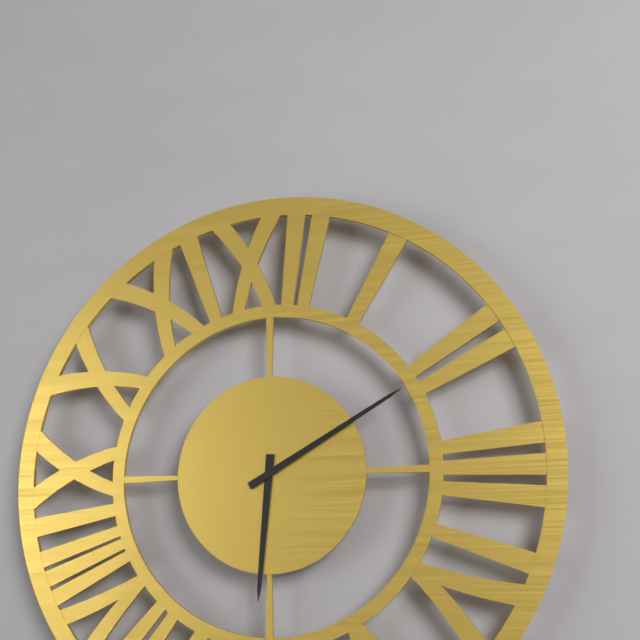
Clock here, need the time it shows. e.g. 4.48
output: 6.10
